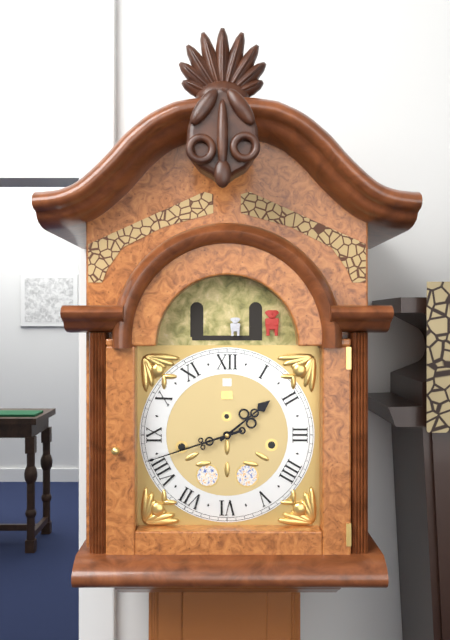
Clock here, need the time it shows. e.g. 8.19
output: 1.42
